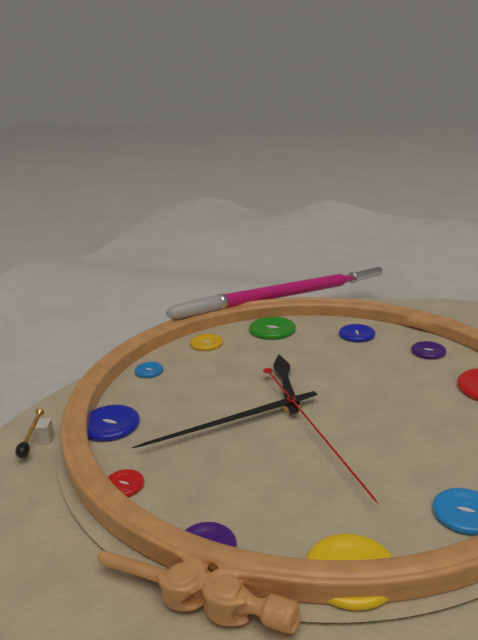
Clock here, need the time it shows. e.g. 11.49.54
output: 5.07.53
